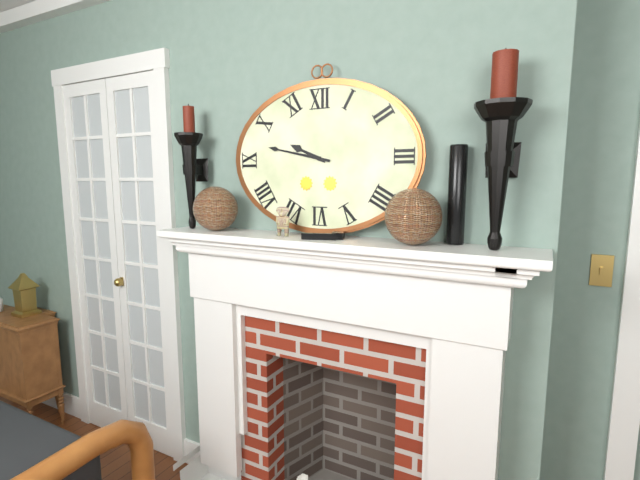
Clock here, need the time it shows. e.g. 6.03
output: 9.47
